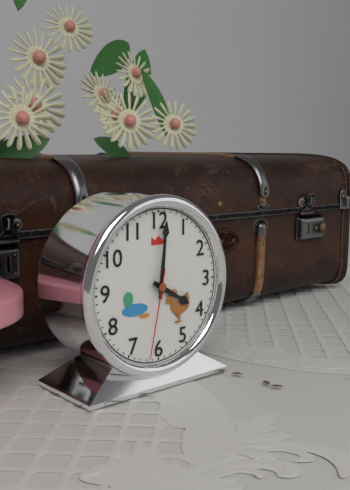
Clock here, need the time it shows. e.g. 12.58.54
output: 4.01.32
